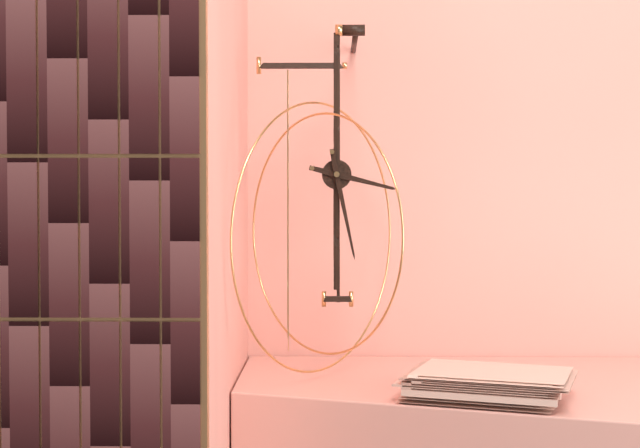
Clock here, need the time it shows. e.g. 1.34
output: 3.28
